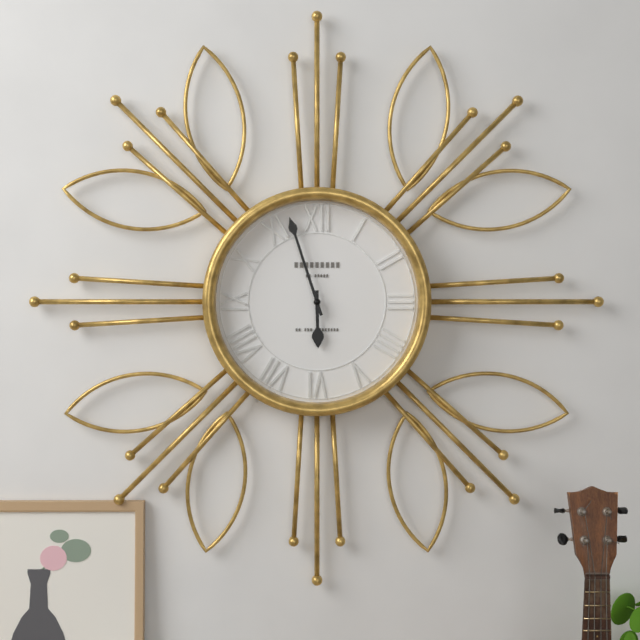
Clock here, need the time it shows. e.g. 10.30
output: 5.57
